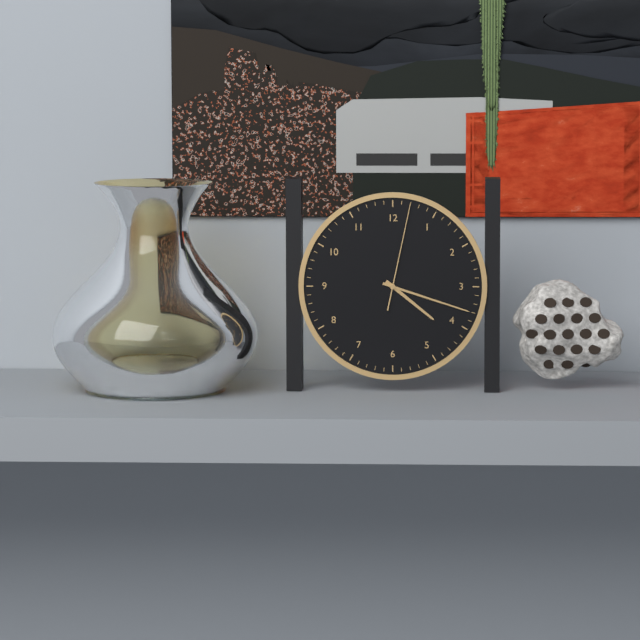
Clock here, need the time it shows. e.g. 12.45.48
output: 4.18.02
